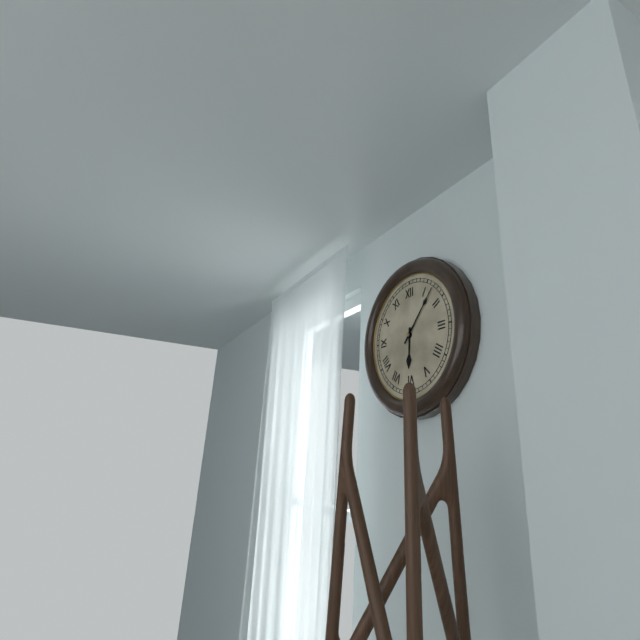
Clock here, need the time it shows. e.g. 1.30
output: 6.07
